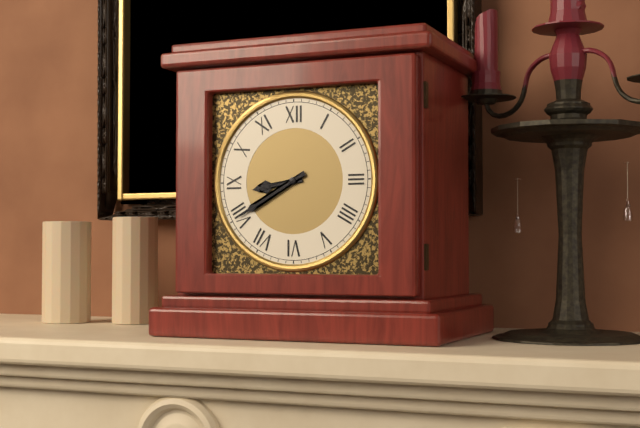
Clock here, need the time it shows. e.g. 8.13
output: 8.40
